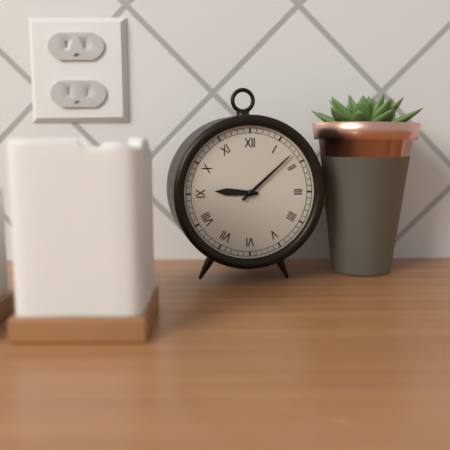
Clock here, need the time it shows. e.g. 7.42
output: 9.08
